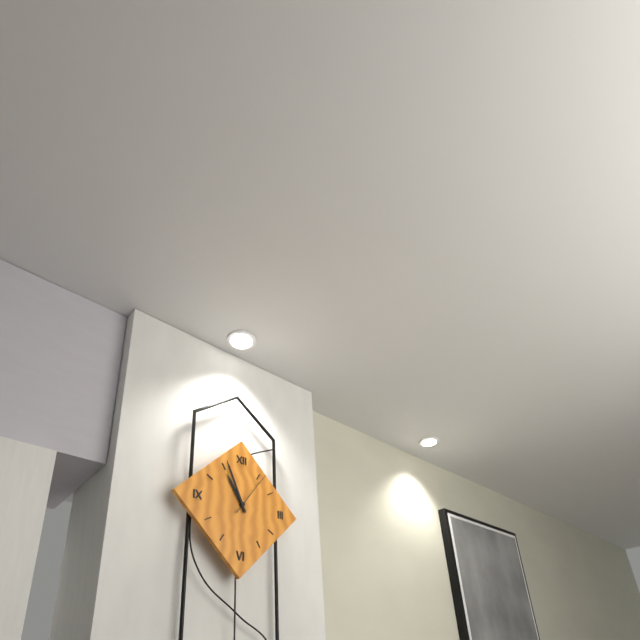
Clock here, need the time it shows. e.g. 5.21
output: 10.56
